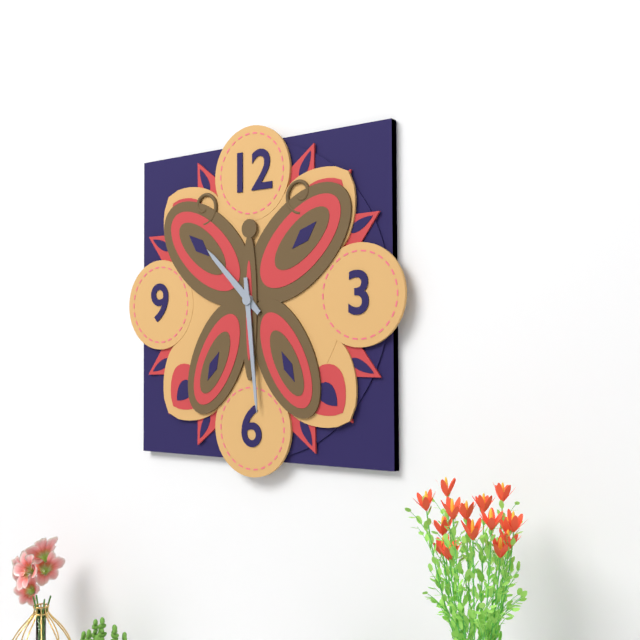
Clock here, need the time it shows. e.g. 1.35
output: 10.29
